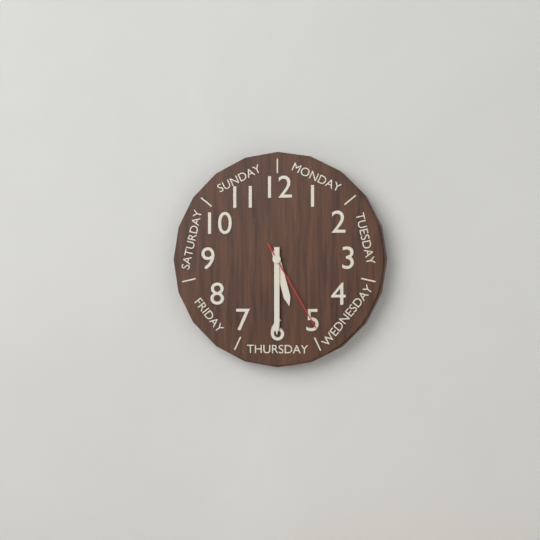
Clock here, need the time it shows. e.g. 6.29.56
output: 5.30.25
